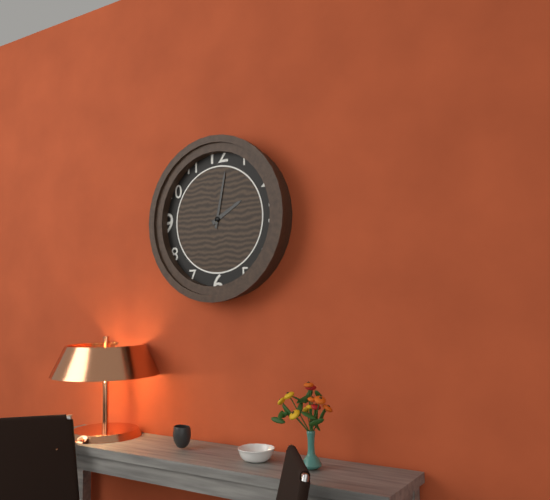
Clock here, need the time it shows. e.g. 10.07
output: 2.02
